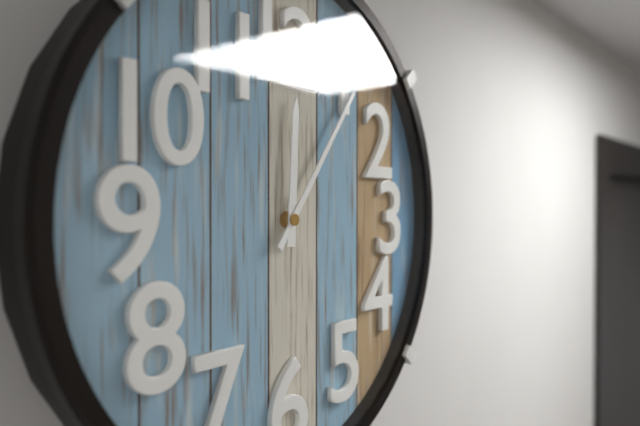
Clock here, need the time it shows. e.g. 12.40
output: 12.06
